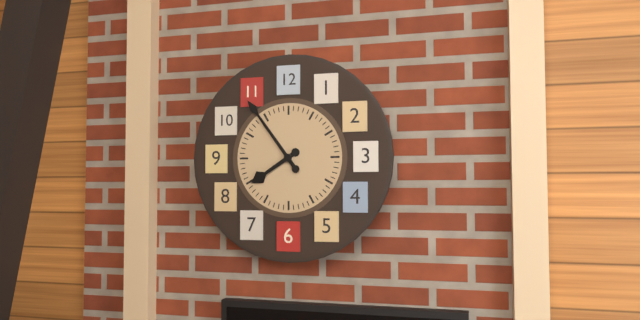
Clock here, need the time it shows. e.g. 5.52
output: 7.54
